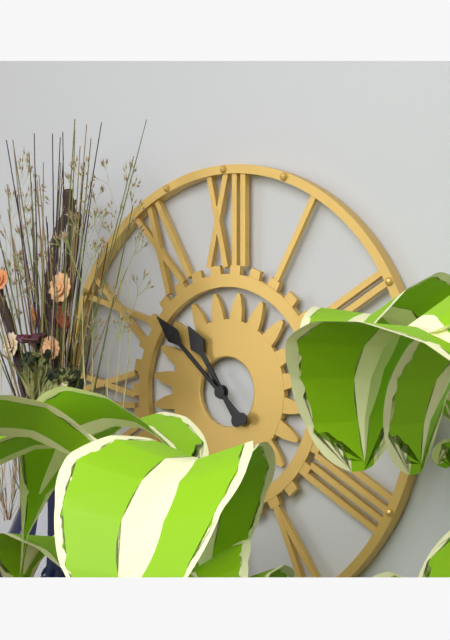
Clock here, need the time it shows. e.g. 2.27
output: 10.52
